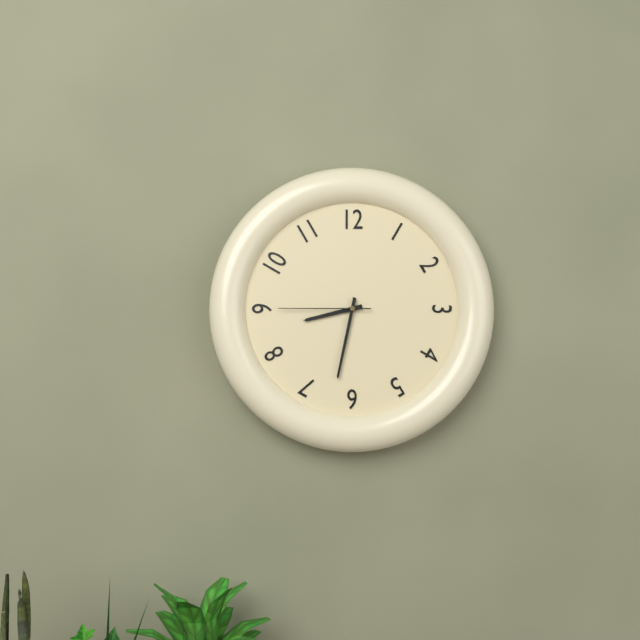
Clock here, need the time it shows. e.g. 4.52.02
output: 8.32.45
